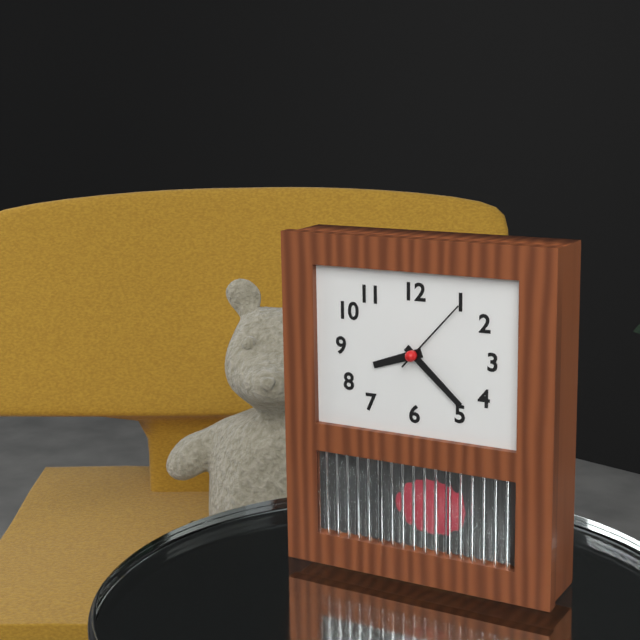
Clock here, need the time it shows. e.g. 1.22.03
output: 8.22.07
